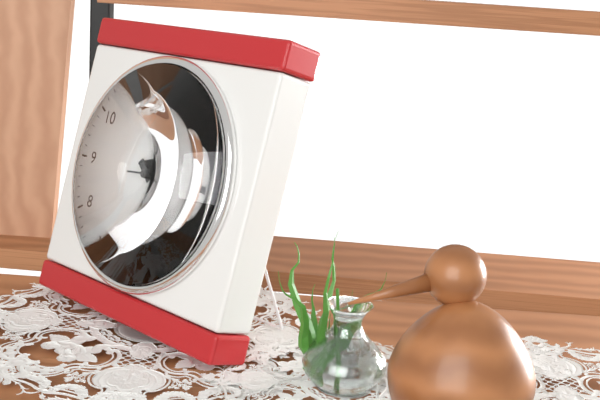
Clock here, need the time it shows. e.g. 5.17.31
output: 5.22.14
